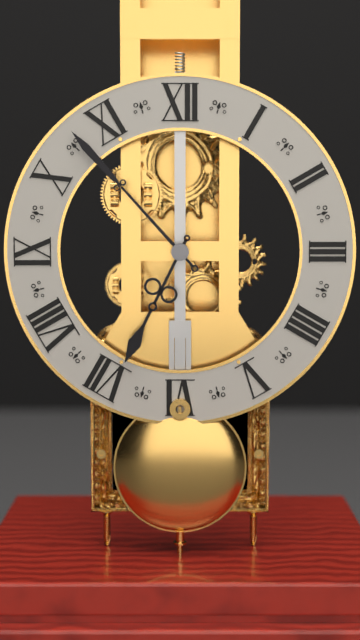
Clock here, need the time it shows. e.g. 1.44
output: 6.53
